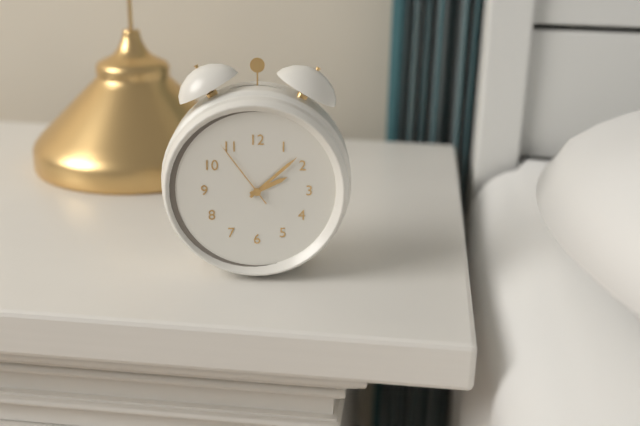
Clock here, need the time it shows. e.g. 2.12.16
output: 2.08.54
